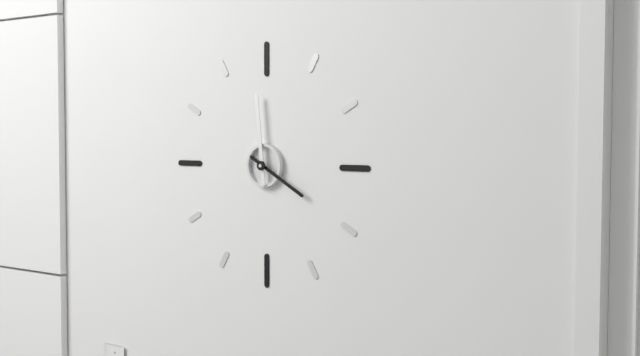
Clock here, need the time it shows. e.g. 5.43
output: 3.59
